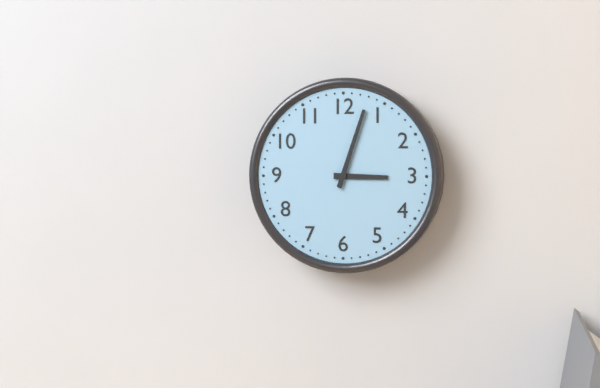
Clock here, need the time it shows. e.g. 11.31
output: 3.03
